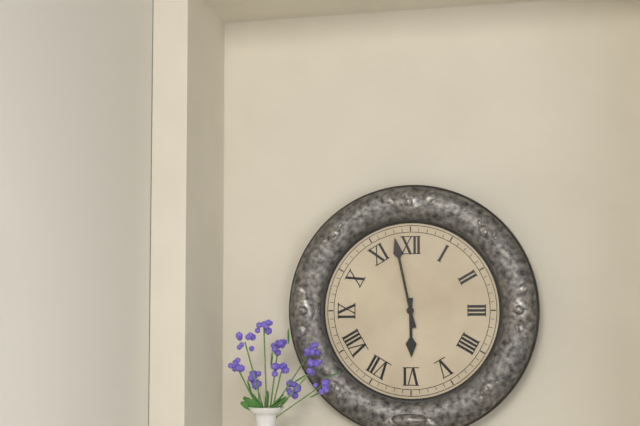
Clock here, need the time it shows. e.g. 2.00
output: 5.58
